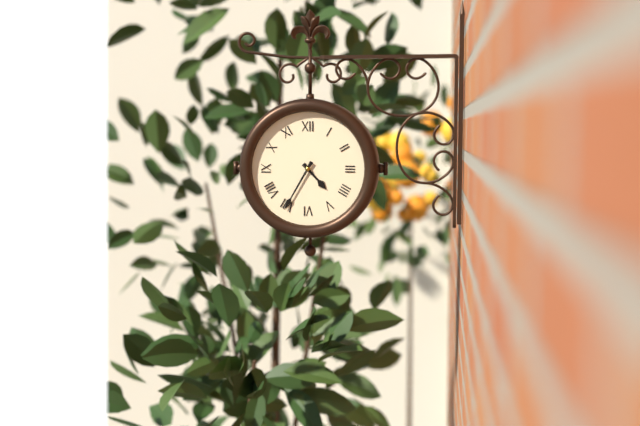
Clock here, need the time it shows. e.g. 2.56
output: 4.35
